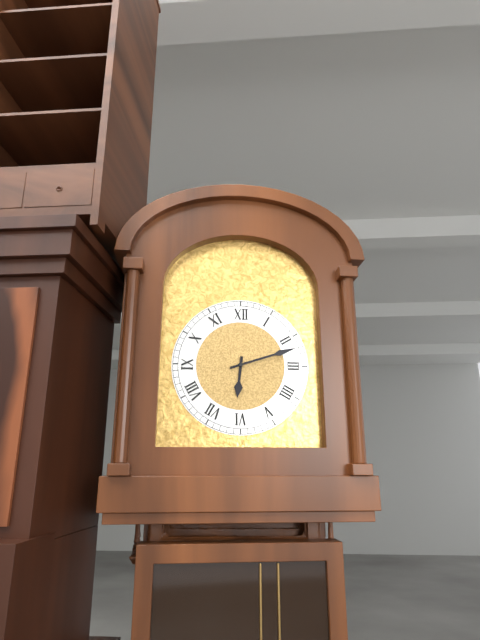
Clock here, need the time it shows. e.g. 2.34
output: 6.12
